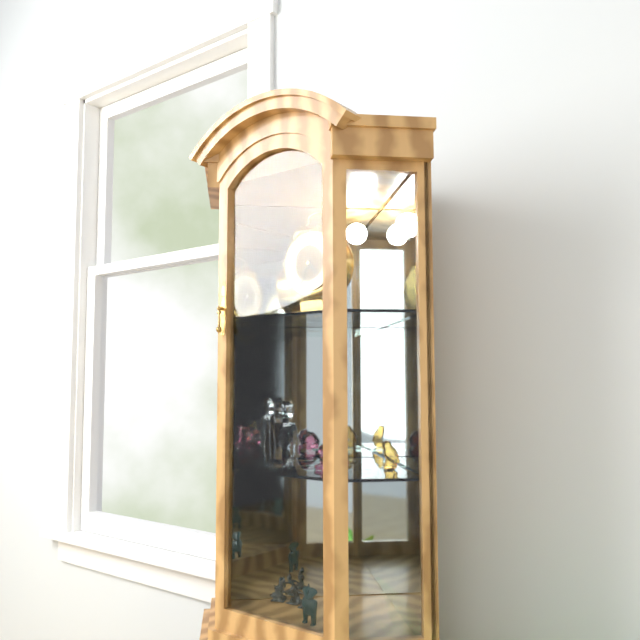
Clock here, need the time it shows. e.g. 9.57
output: 4.34
